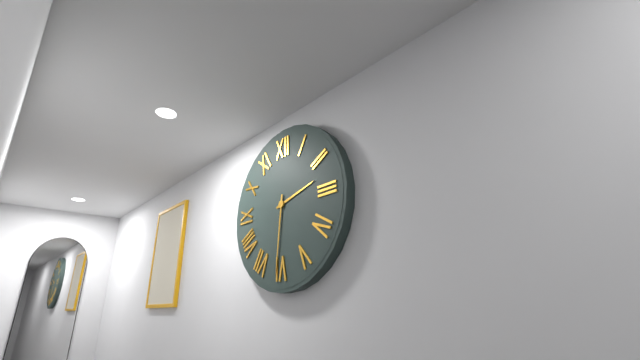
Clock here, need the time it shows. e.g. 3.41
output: 2.31
